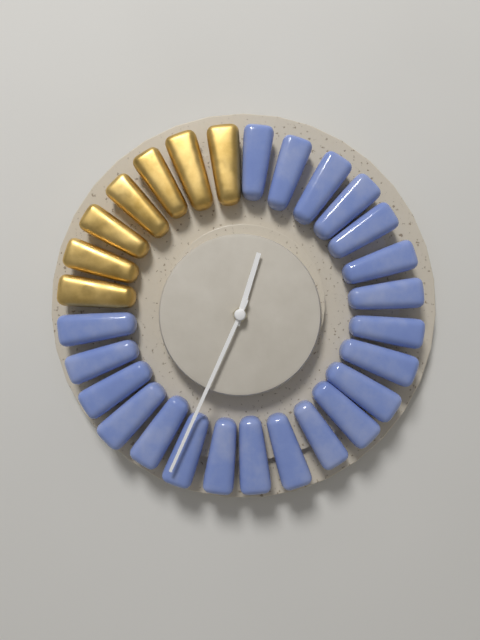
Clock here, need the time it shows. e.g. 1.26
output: 12.34
